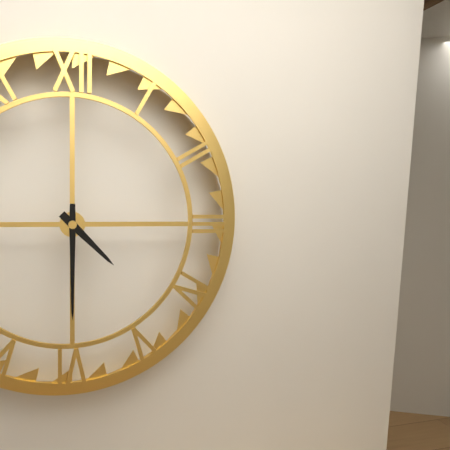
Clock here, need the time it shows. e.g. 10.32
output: 4.30
